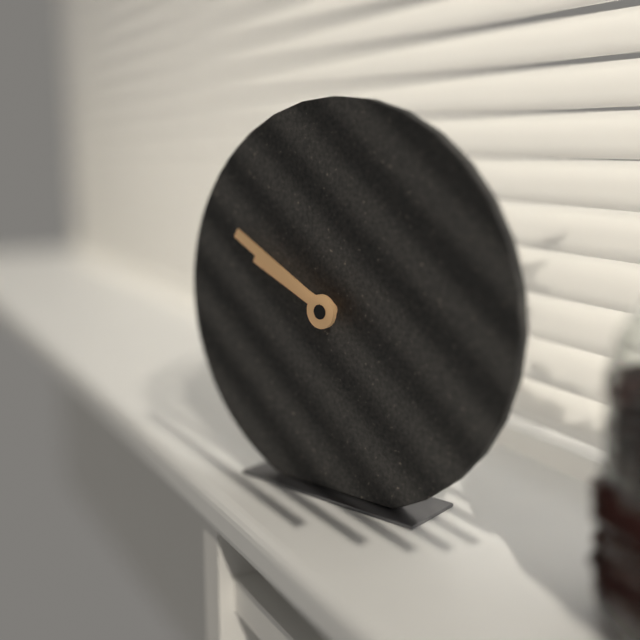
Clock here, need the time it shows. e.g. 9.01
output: 9.50
